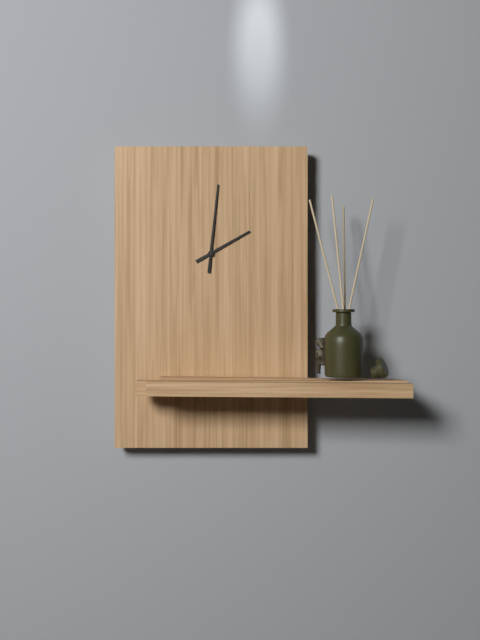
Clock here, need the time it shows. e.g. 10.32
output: 2.01
